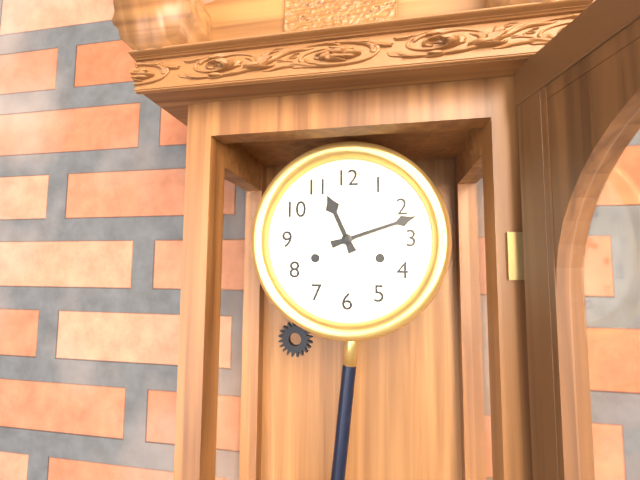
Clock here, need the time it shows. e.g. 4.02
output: 11.12
